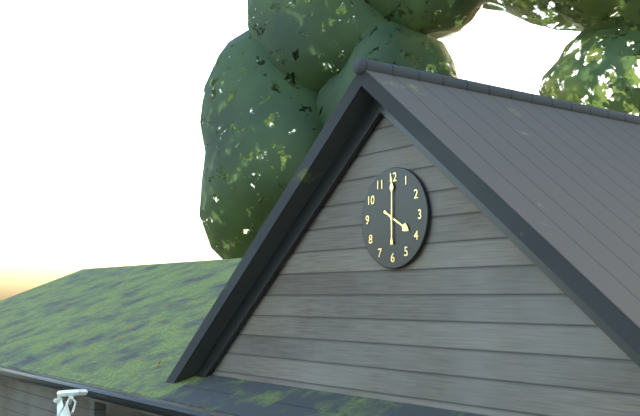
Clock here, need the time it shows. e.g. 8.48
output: 4.00
